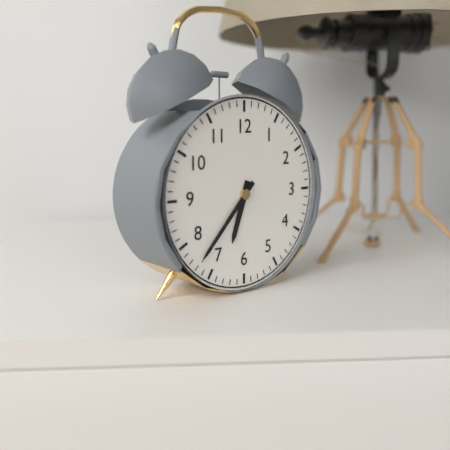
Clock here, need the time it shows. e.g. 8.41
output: 6.37
